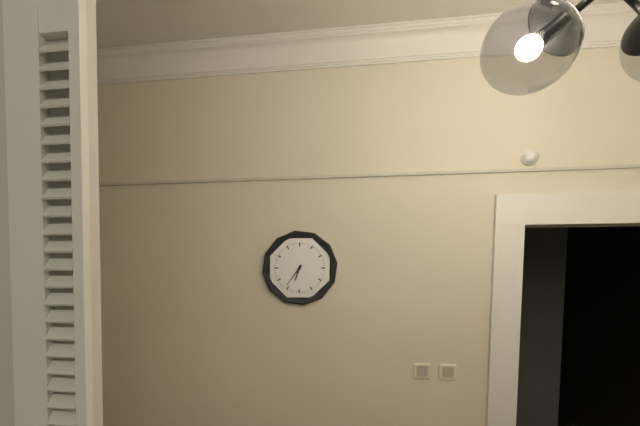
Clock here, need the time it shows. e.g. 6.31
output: 6.36
